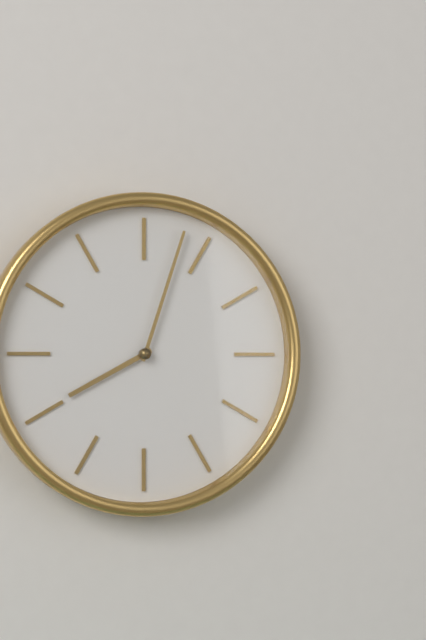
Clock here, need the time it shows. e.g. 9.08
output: 8.03
